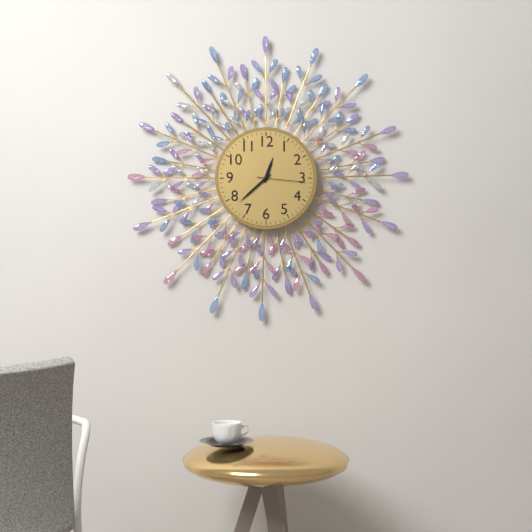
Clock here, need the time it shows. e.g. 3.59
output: 12.38
